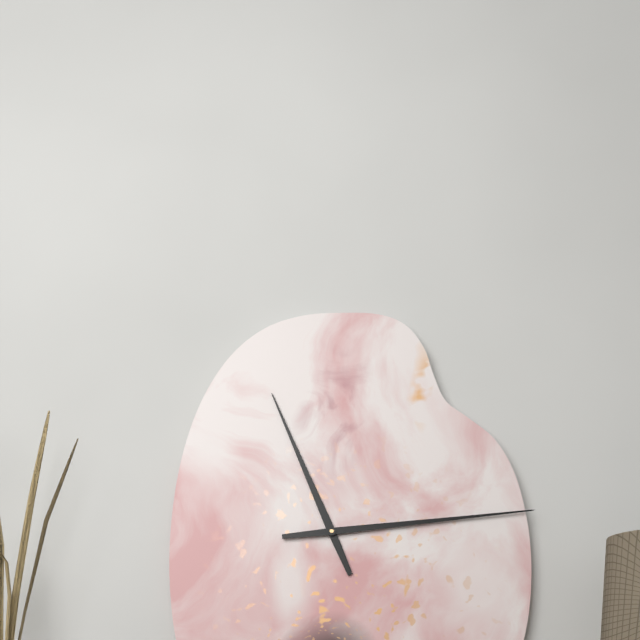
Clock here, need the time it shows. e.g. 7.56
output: 11.14
